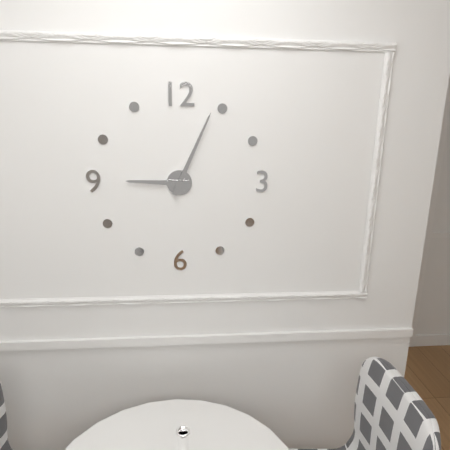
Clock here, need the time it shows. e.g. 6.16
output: 9.04
